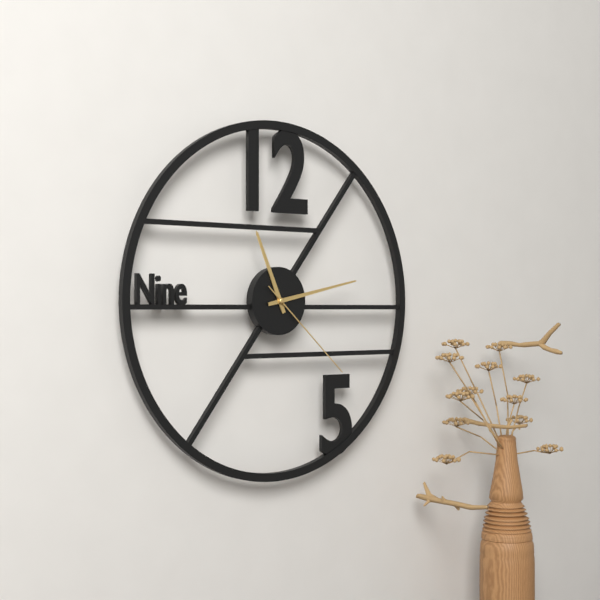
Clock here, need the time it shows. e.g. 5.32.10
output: 11.13.22
